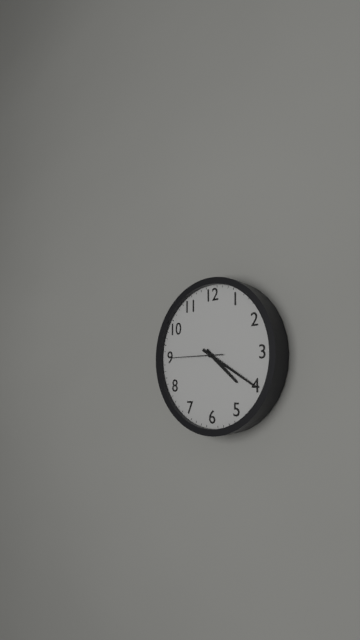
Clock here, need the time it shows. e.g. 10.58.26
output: 4.20.45
